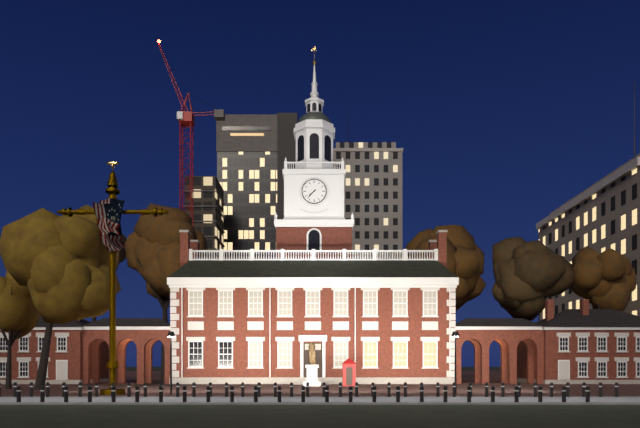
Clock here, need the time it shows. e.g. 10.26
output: 7.37
